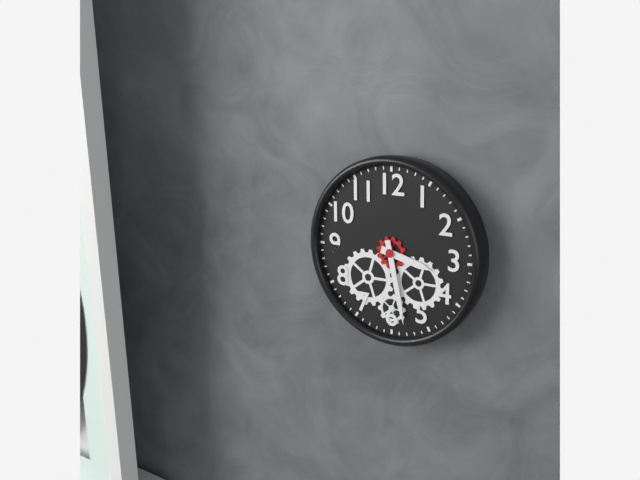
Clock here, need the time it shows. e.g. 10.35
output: 3.28
